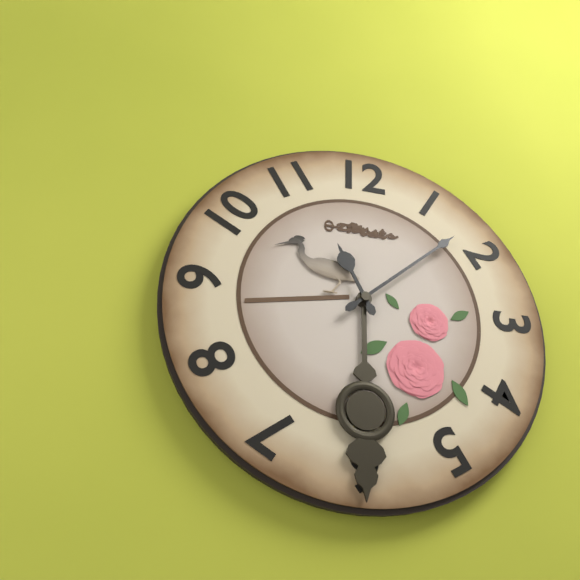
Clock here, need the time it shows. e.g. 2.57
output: 11.08
